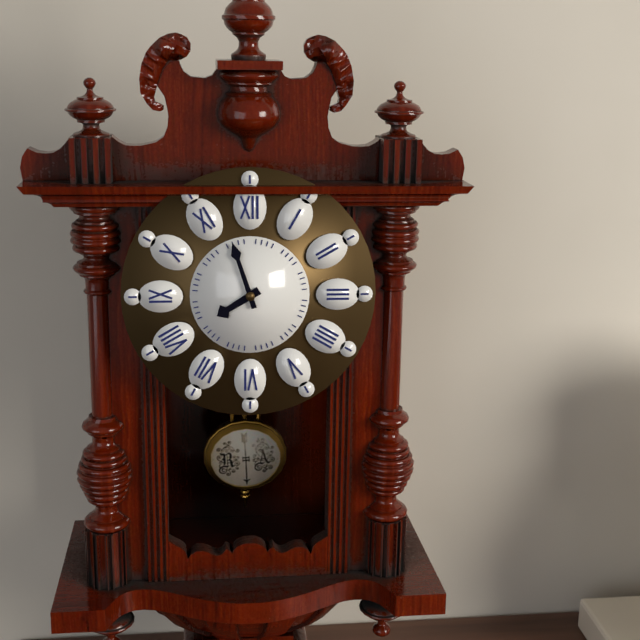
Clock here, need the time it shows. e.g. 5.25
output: 7.57
